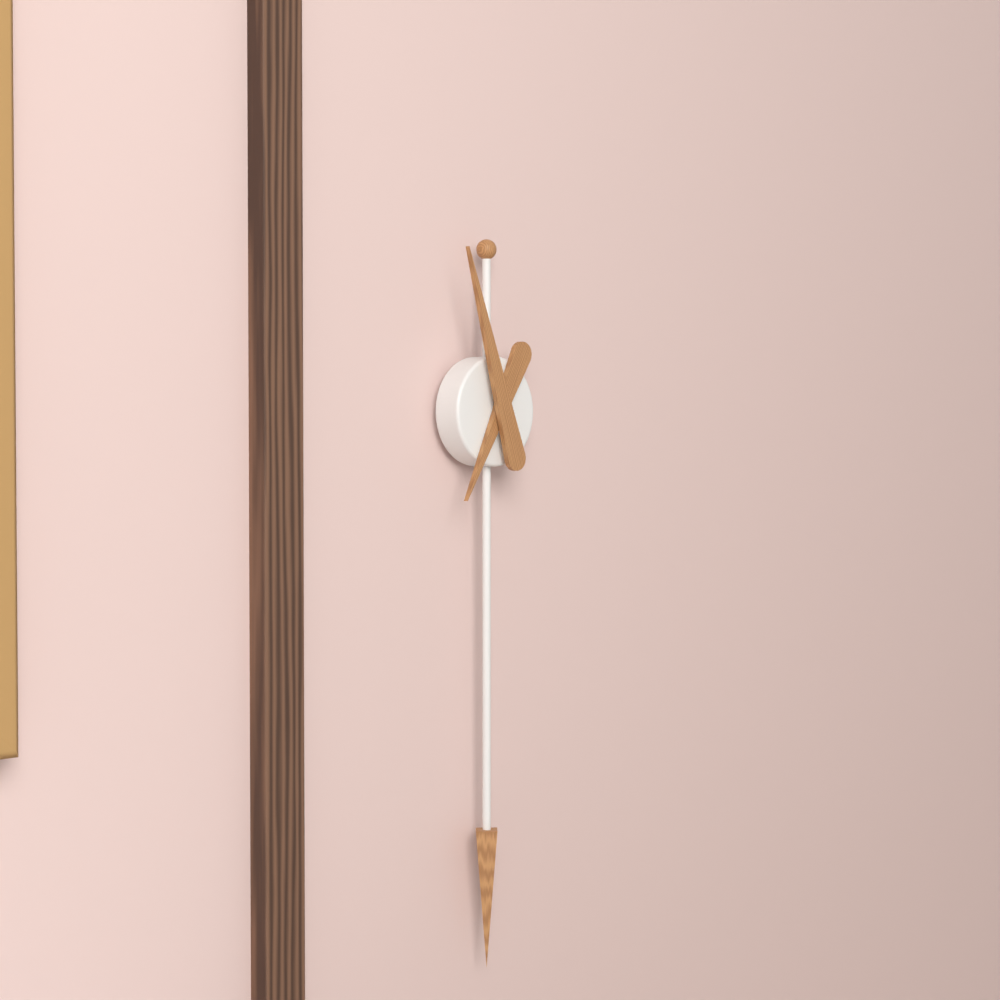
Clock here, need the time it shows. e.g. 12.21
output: 6.57
